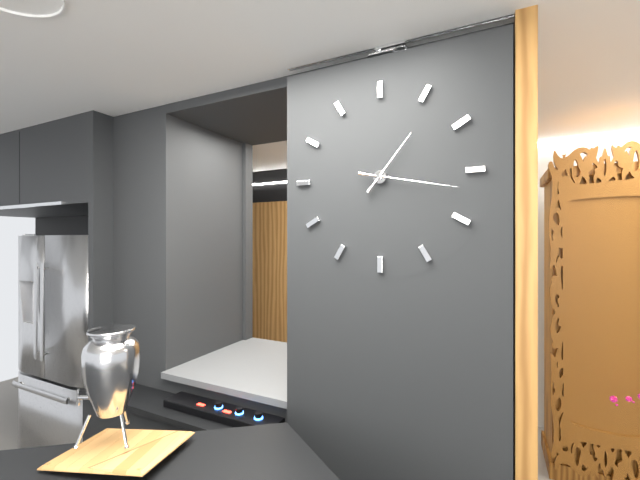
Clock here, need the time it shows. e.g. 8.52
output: 1.17
